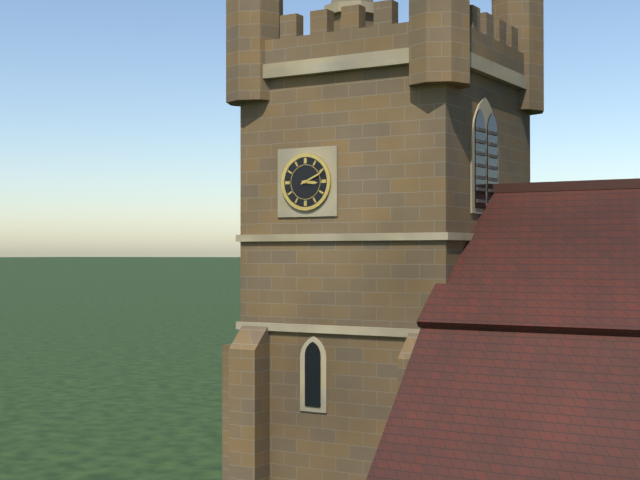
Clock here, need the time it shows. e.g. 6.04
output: 3.11
